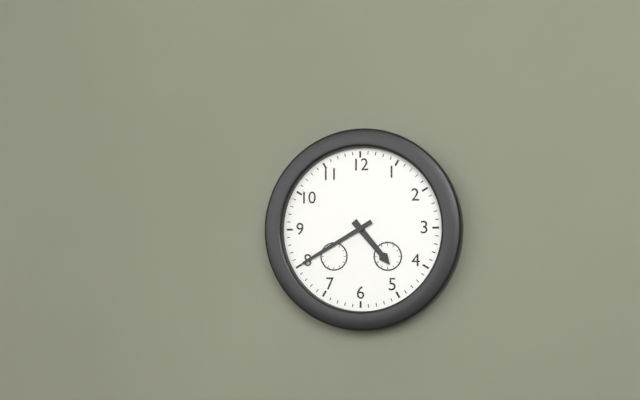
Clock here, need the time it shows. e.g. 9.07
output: 4.40
